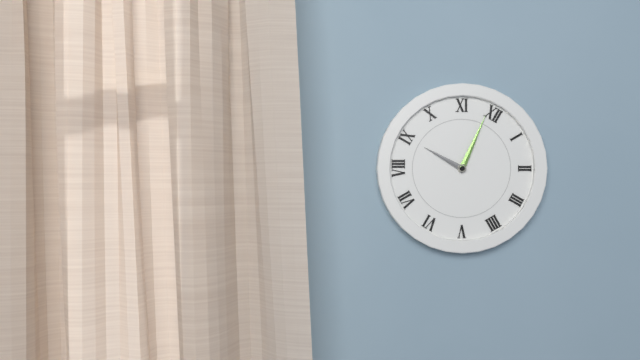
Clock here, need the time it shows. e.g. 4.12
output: 8.59
